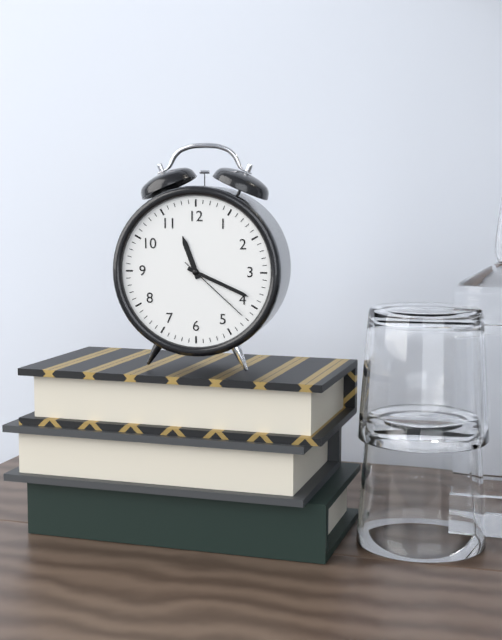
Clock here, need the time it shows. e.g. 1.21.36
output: 11.19.22
